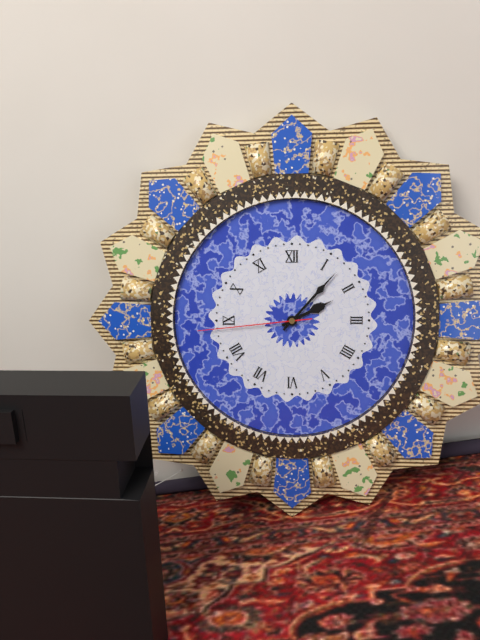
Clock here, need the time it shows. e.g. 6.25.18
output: 2.07.44
